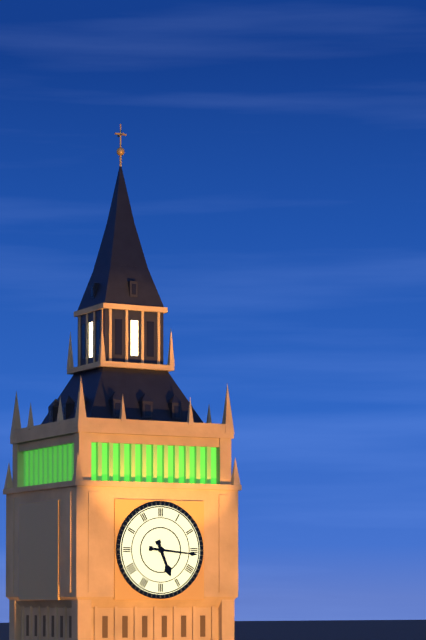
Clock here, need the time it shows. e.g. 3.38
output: 5.16
